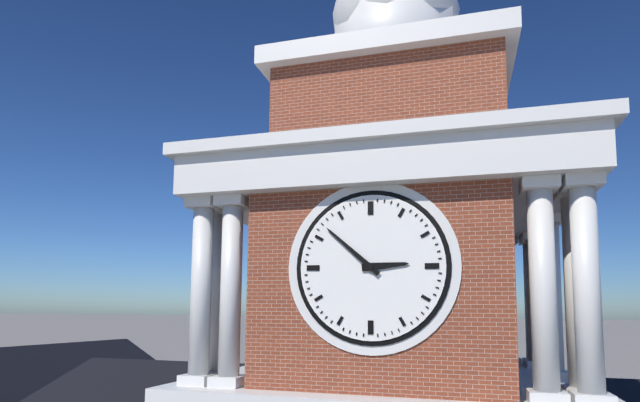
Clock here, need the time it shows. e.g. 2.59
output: 2.52
